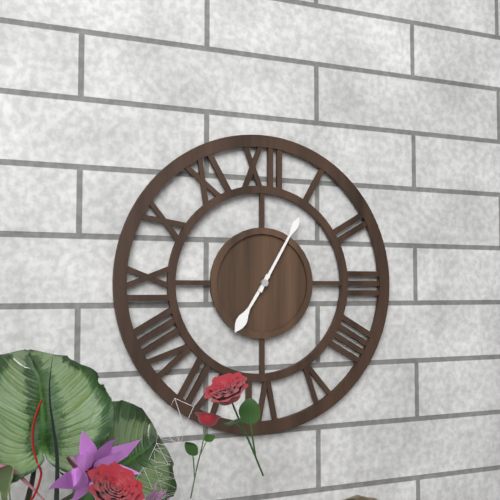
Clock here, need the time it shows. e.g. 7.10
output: 7.05
